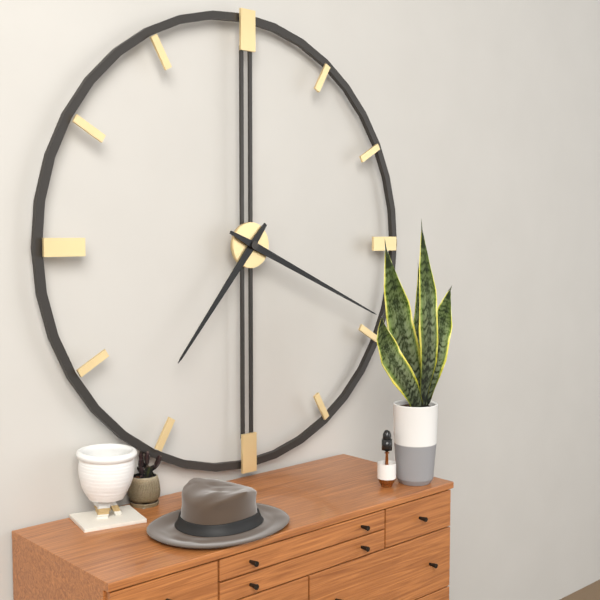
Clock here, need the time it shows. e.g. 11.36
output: 7.19
